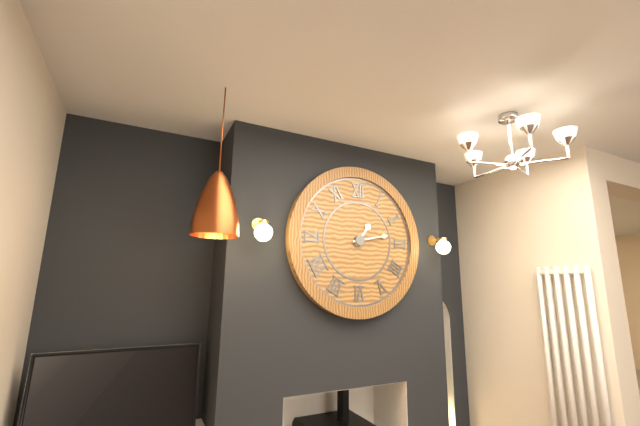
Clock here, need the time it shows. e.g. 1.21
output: 1.13
